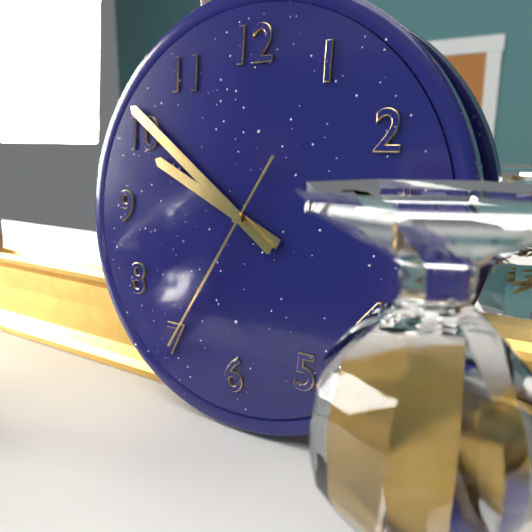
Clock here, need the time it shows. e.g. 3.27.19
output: 9.51.35
